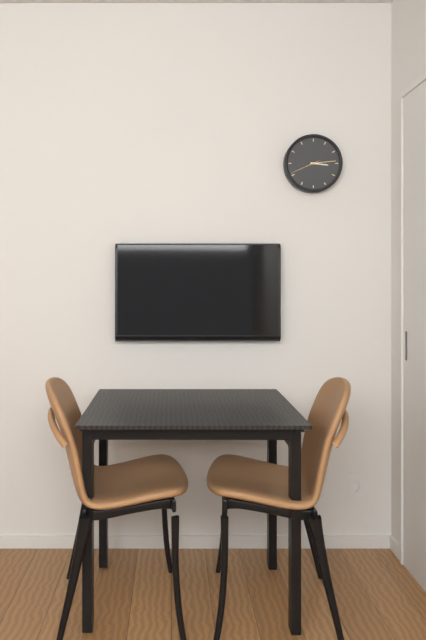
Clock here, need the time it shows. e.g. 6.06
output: 3.14
